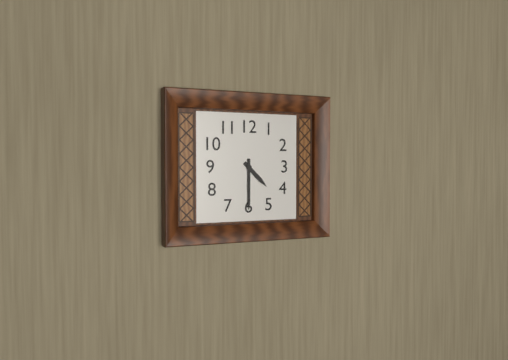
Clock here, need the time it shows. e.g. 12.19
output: 4.30
